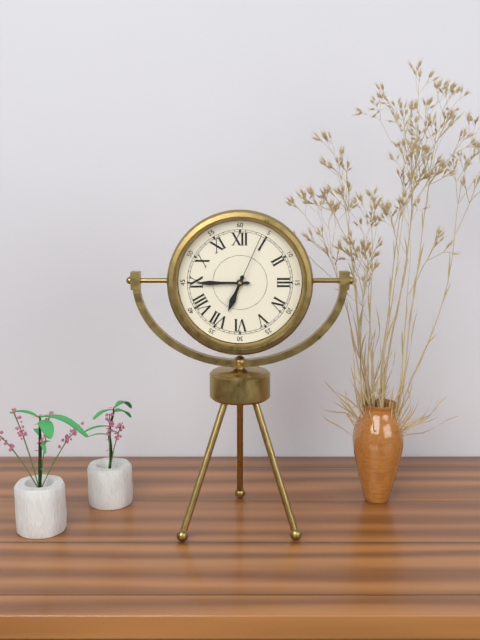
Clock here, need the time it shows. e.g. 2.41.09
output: 6.45.04
